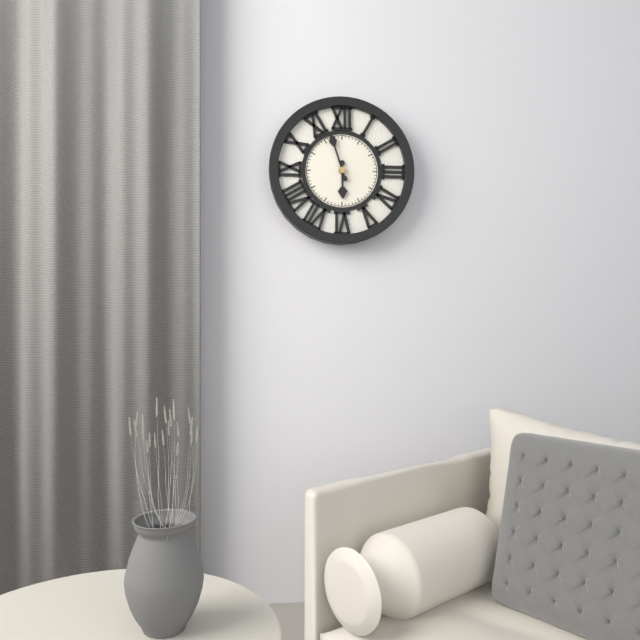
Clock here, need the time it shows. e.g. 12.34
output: 5.57
